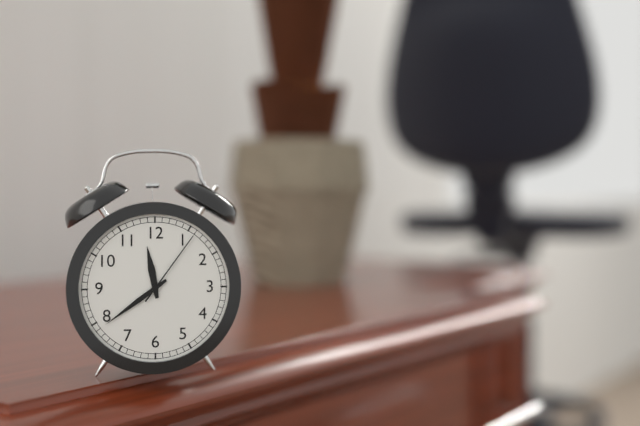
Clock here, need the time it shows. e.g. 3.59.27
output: 11.39.06
